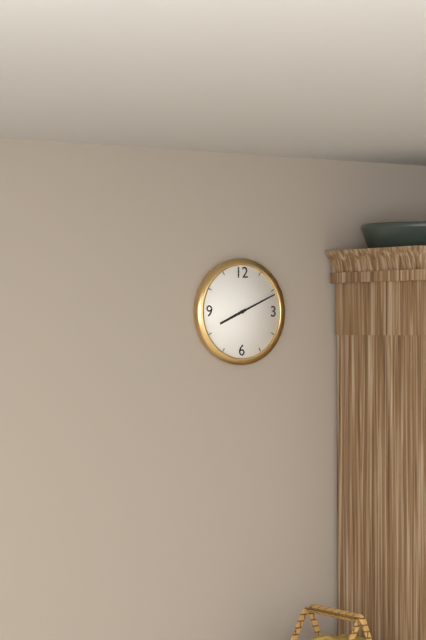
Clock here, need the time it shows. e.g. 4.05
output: 8.11
